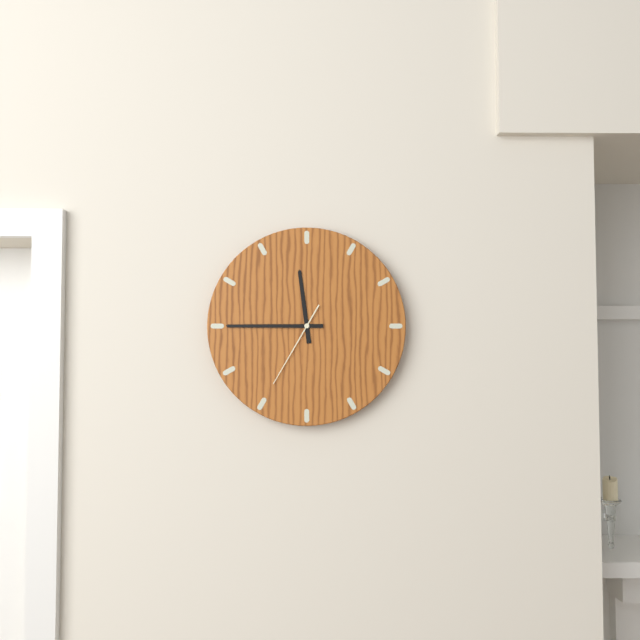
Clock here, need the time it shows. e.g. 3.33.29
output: 11.45.35
